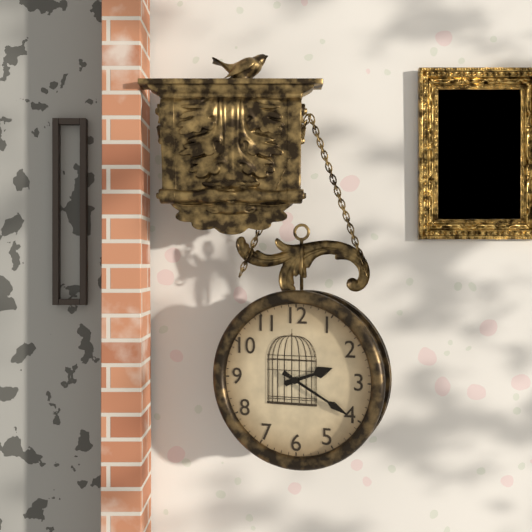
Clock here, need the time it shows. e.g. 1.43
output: 2.20
